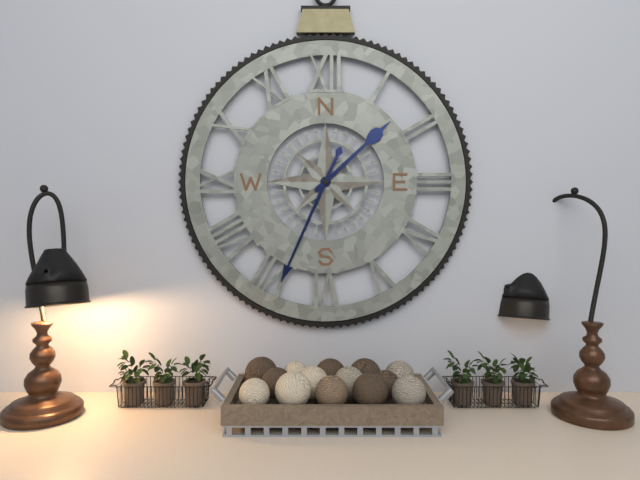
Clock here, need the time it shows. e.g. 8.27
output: 1.34
